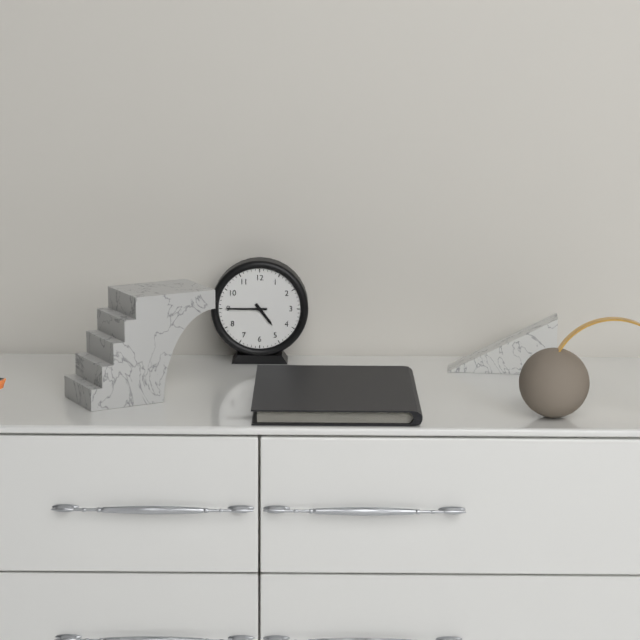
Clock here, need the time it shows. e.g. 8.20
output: 4.45
